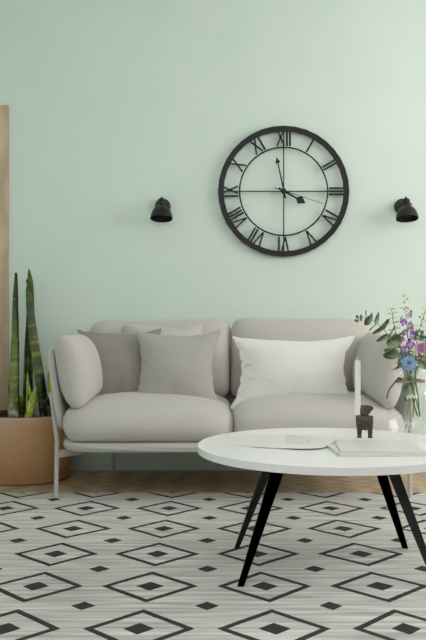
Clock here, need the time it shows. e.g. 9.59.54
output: 3.58.18
